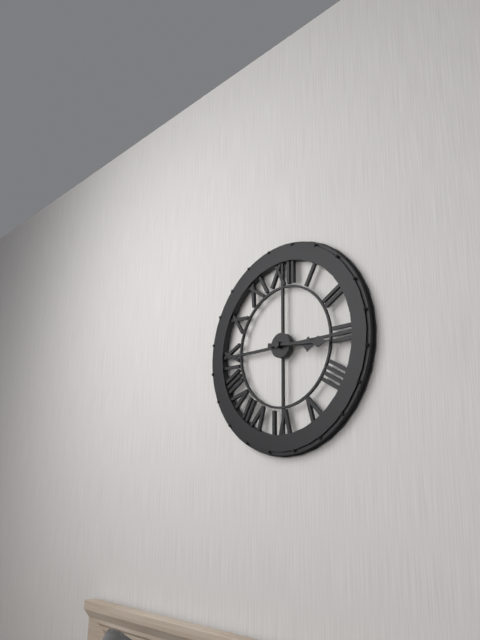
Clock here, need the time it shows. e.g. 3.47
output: 3.16
